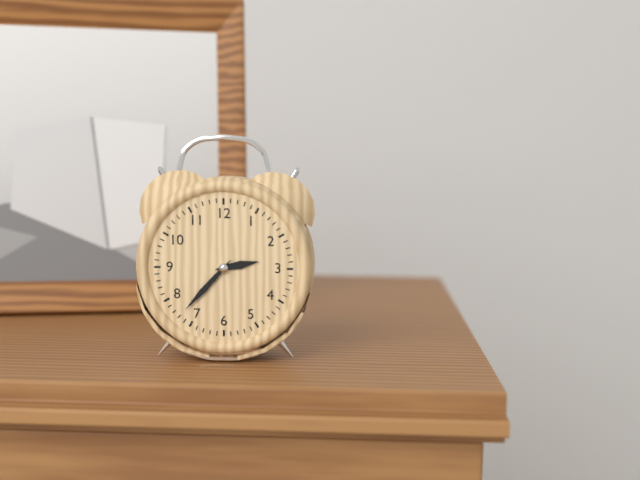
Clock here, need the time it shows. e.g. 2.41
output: 2.37
